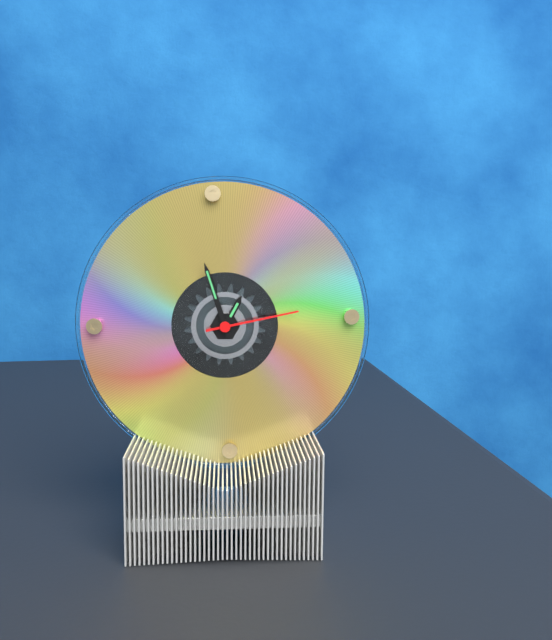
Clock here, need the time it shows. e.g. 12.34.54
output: 12.57.13
